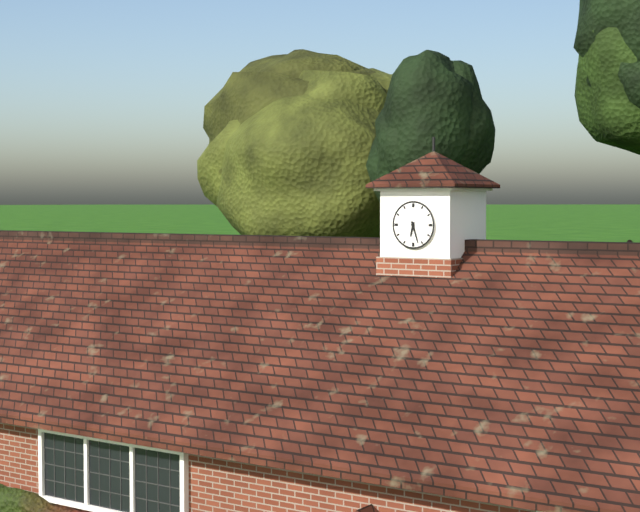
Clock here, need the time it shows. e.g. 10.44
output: 6.27
